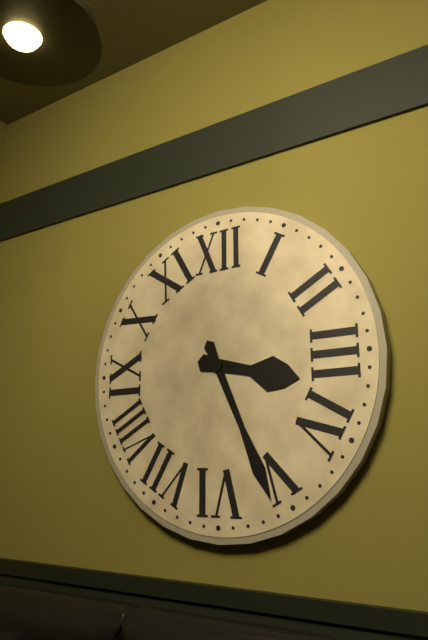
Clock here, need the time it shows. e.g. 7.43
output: 3.26
